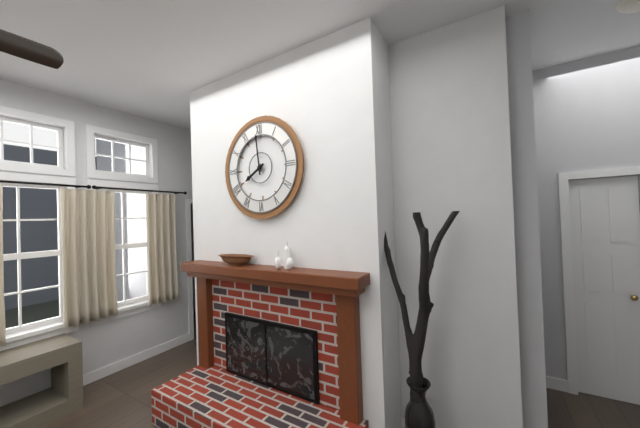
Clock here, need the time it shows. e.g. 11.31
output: 7.59
